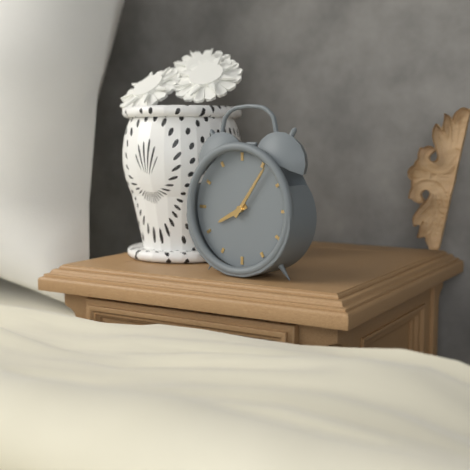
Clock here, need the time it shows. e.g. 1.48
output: 8.06
